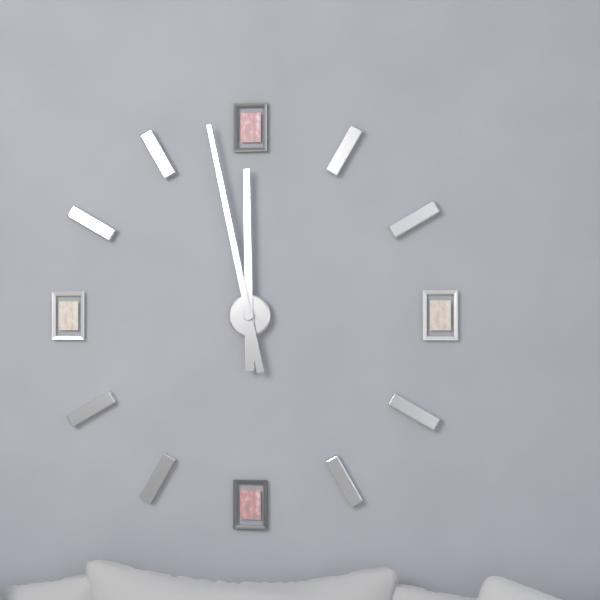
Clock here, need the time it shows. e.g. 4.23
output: 11.58
